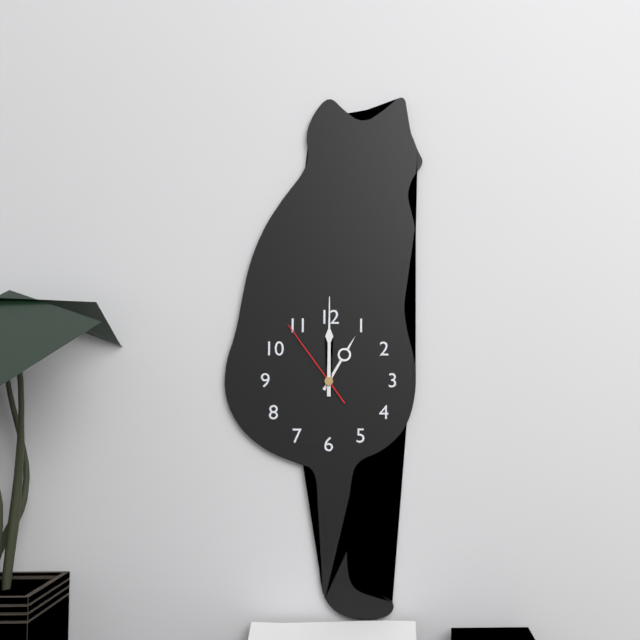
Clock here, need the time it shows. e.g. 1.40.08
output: 1.00.54
